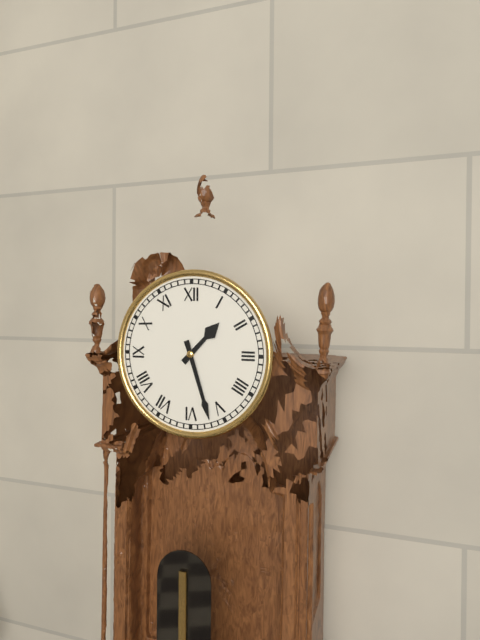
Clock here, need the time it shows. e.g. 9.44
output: 1.27
